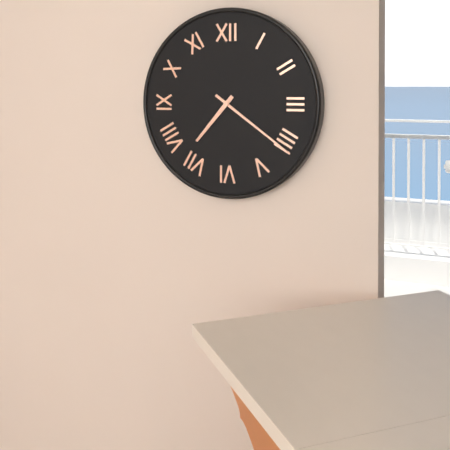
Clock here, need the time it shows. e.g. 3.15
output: 7.21
